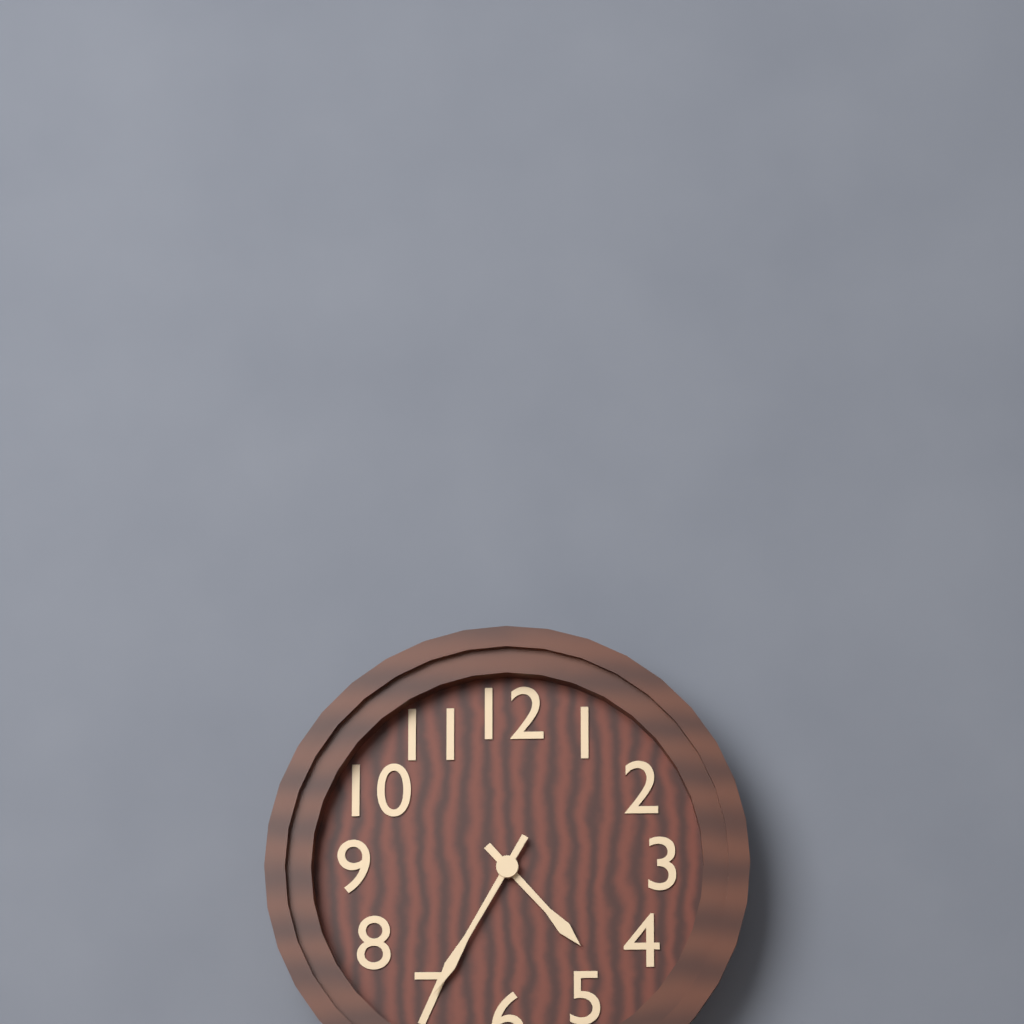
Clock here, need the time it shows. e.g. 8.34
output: 4.35
